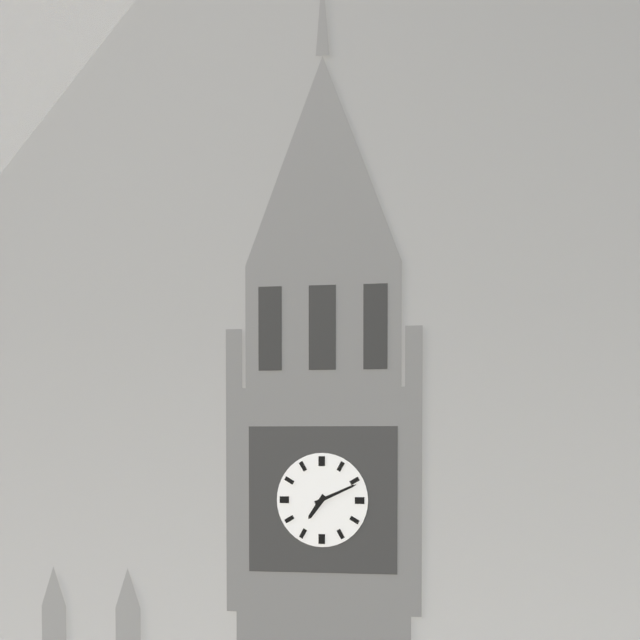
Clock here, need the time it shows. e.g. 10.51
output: 7.11
